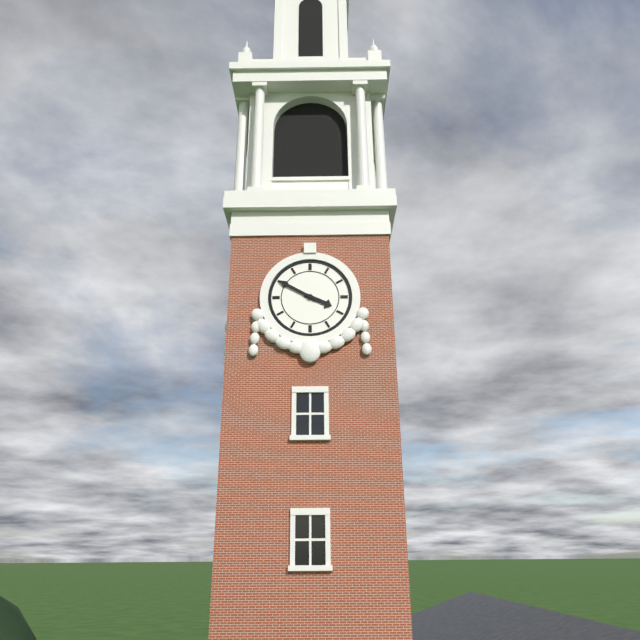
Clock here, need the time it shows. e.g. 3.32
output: 3.50
